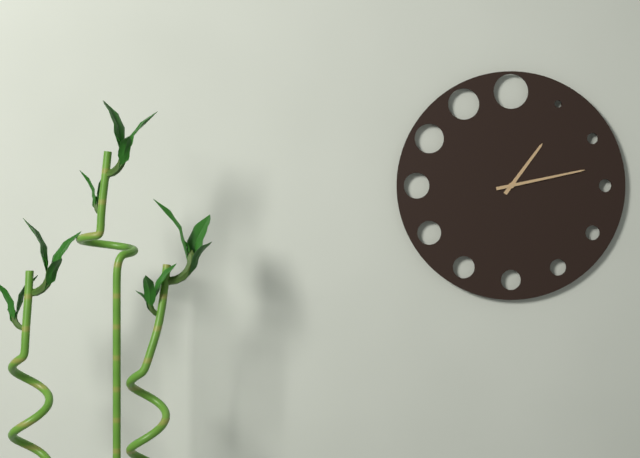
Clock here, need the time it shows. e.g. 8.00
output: 1.13
